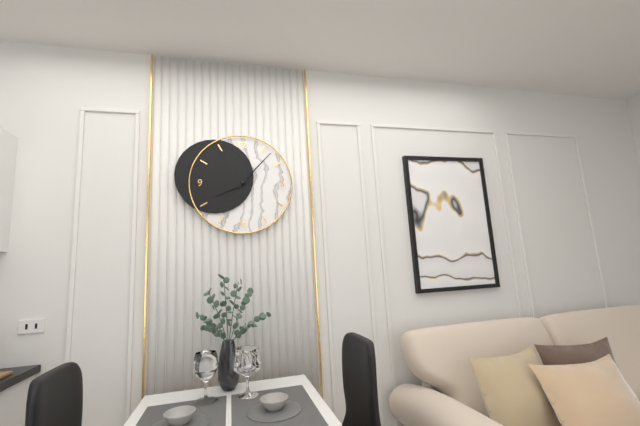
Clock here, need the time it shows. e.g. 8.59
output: 8.07
